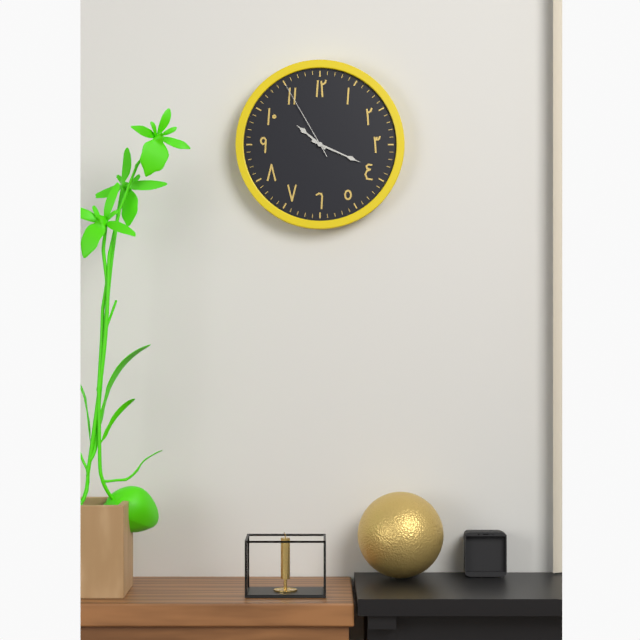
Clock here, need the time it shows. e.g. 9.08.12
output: 10.19.55
